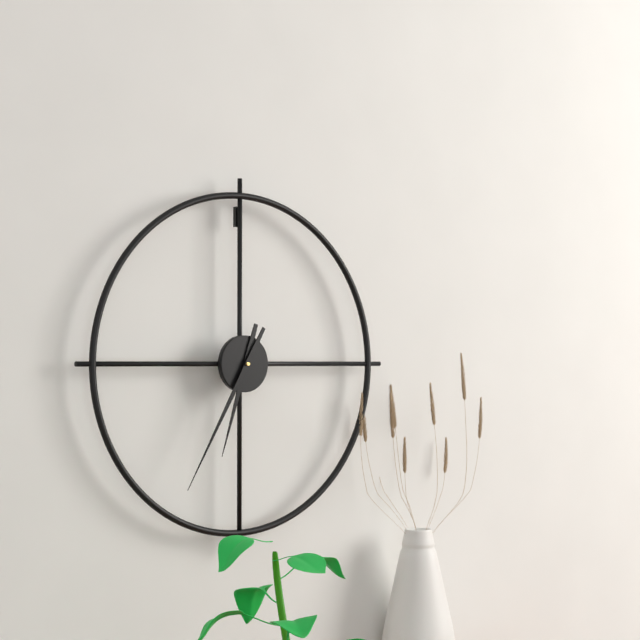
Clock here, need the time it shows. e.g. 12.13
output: 6.35
